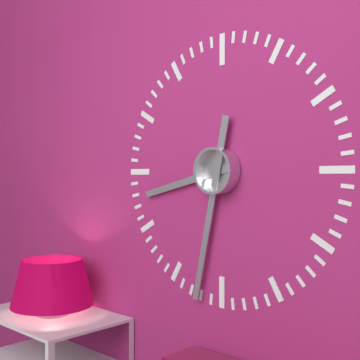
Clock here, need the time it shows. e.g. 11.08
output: 8.32
